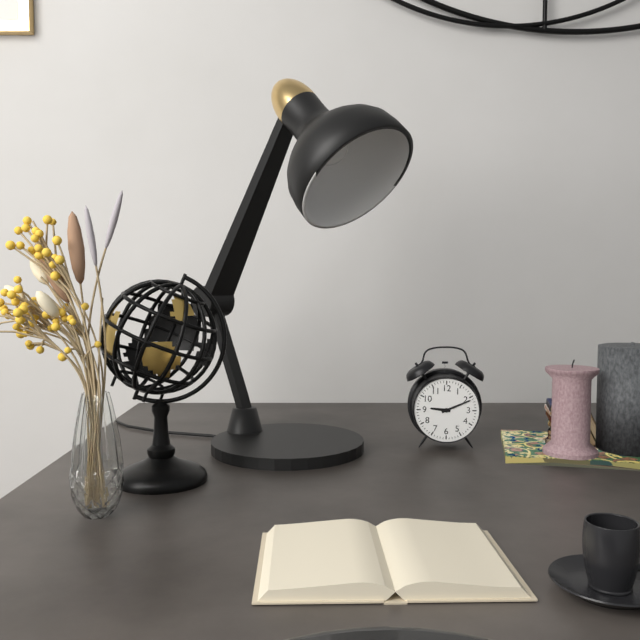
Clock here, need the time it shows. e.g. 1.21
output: 9.11
